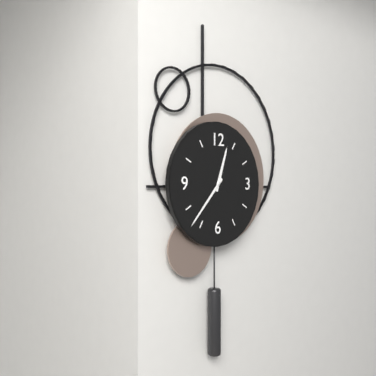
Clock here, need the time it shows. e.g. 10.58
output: 12.37
